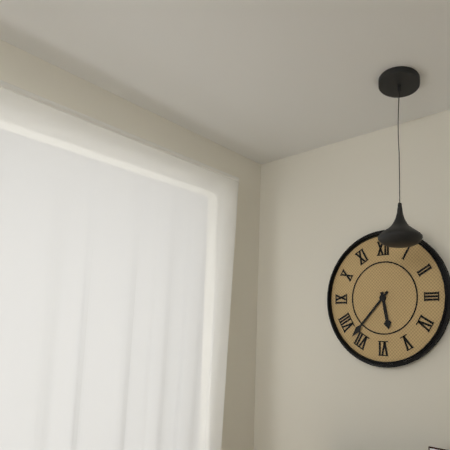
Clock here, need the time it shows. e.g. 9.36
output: 5.37
